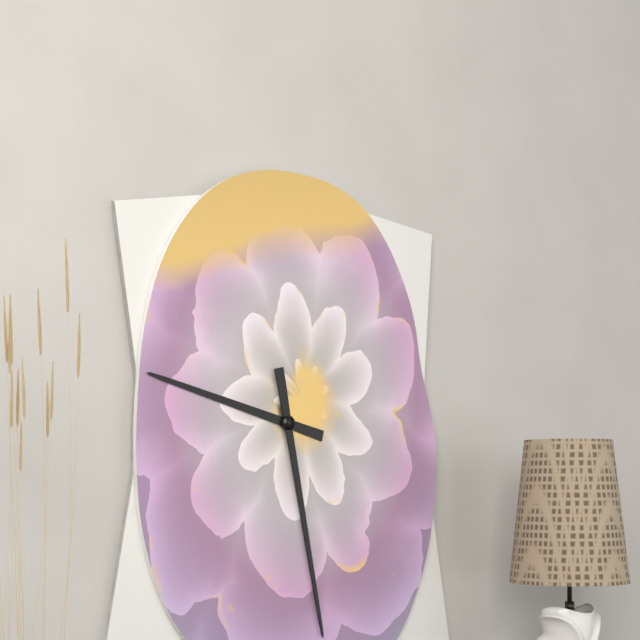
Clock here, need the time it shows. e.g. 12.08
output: 9.28
